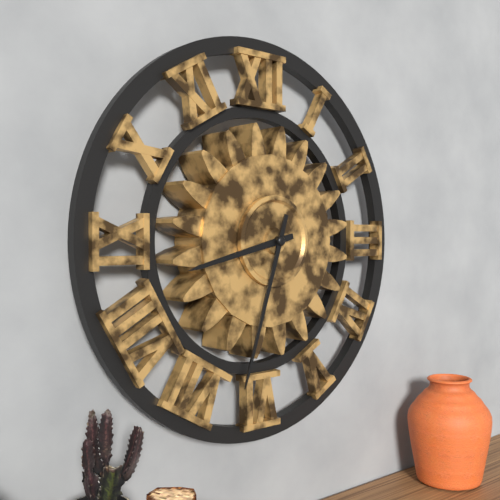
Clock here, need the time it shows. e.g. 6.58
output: 8.33
